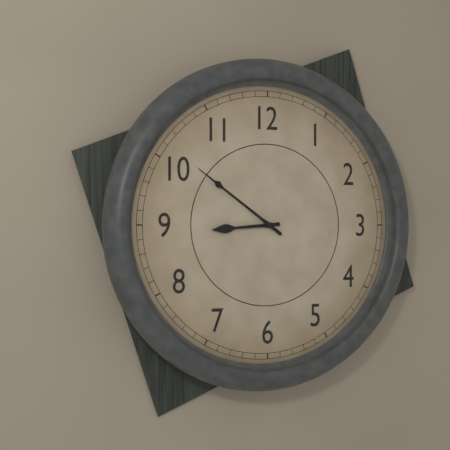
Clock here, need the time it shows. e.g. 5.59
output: 8.51
